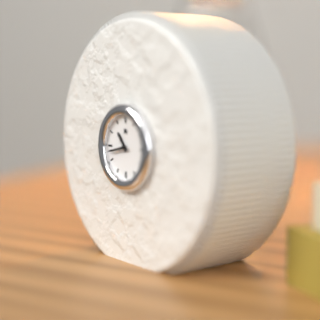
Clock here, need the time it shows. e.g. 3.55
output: 10.43
